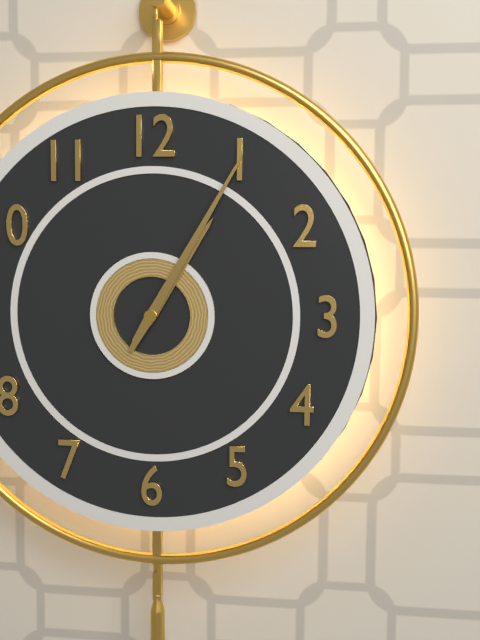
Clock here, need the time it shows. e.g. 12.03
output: 1.05
